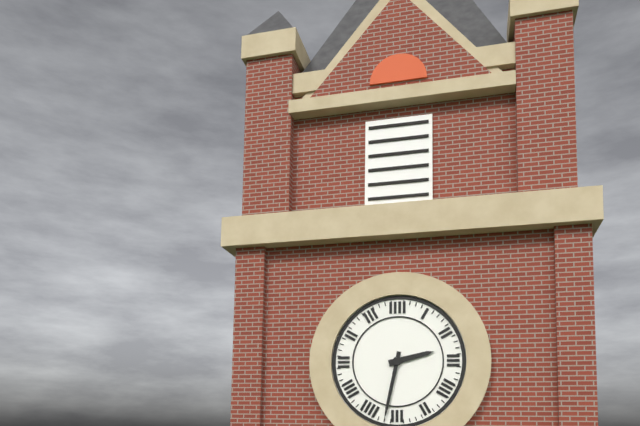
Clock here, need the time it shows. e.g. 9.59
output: 2.32
